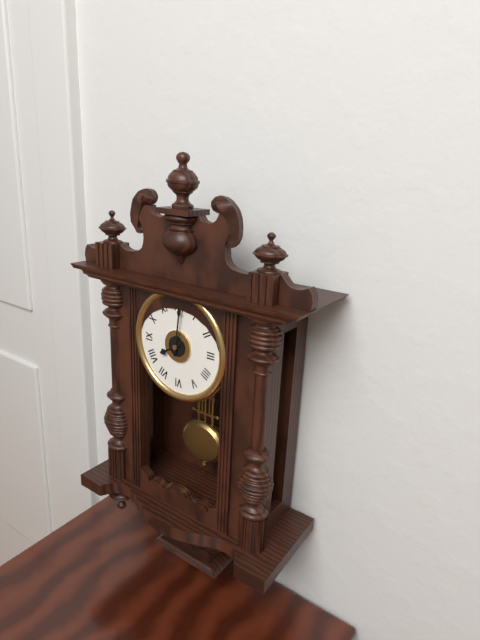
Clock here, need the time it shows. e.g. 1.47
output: 8.01
